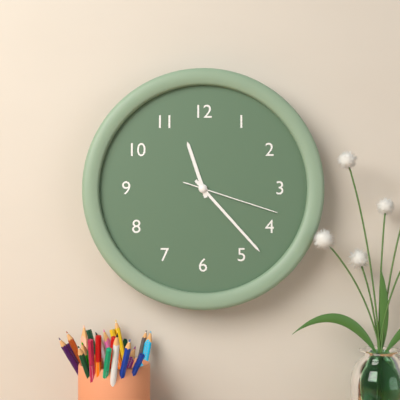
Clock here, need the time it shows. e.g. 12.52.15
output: 11.23.18
